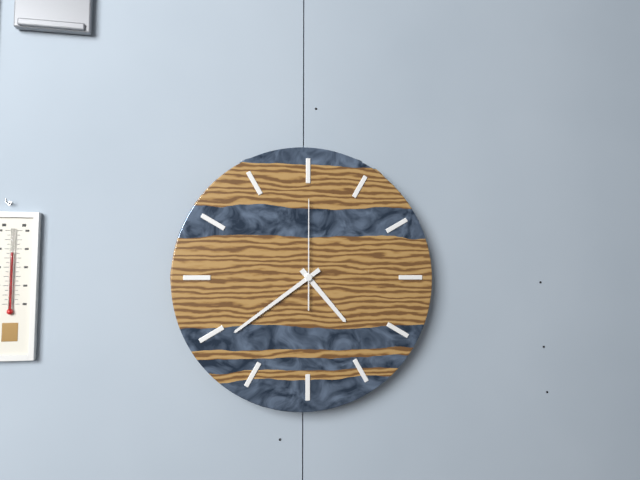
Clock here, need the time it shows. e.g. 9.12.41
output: 4.39.00
